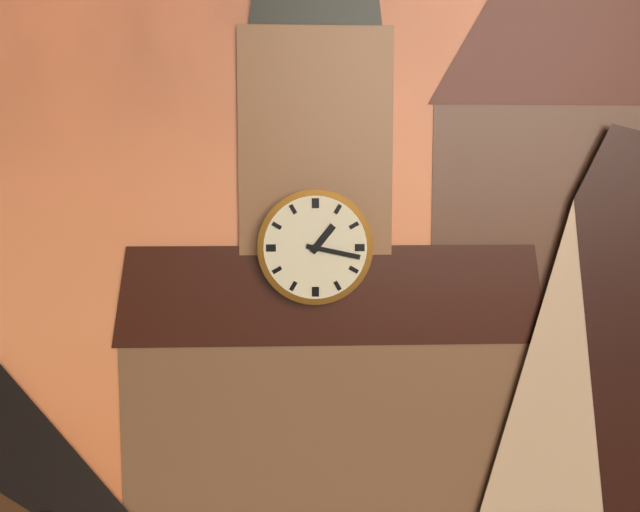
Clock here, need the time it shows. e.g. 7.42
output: 1.17
